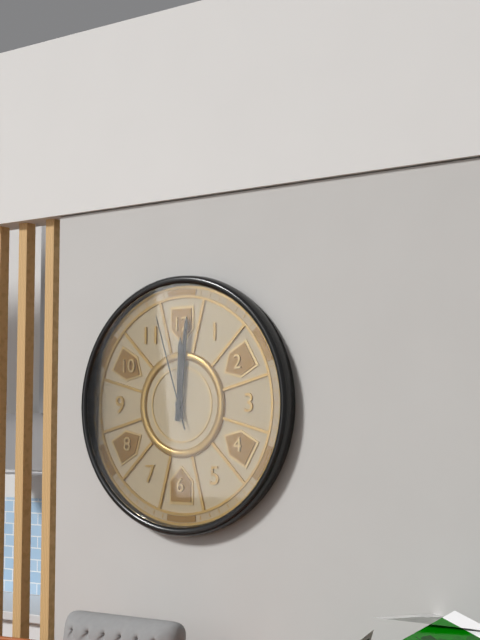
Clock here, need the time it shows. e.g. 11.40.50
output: 12.01.57
